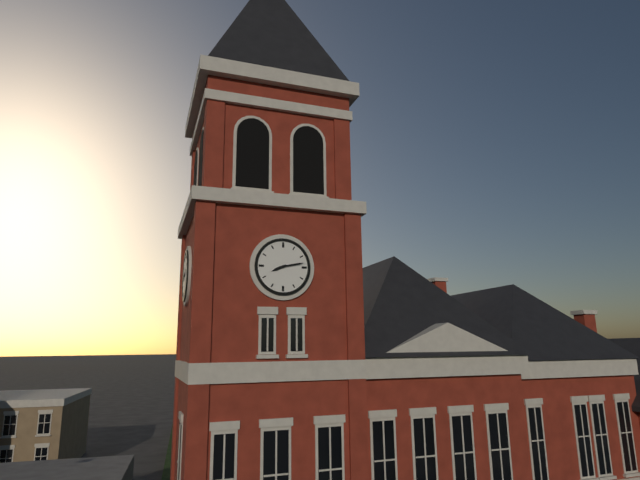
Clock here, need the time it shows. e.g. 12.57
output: 8.13
